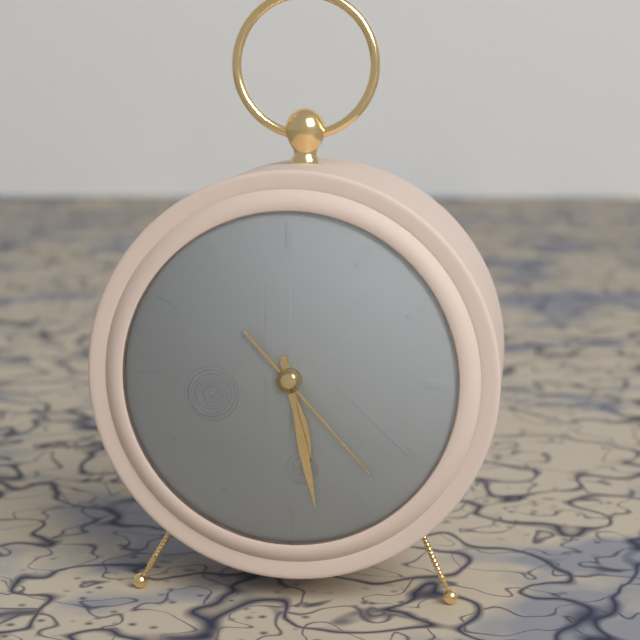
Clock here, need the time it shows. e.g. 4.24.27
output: 5.28.23
